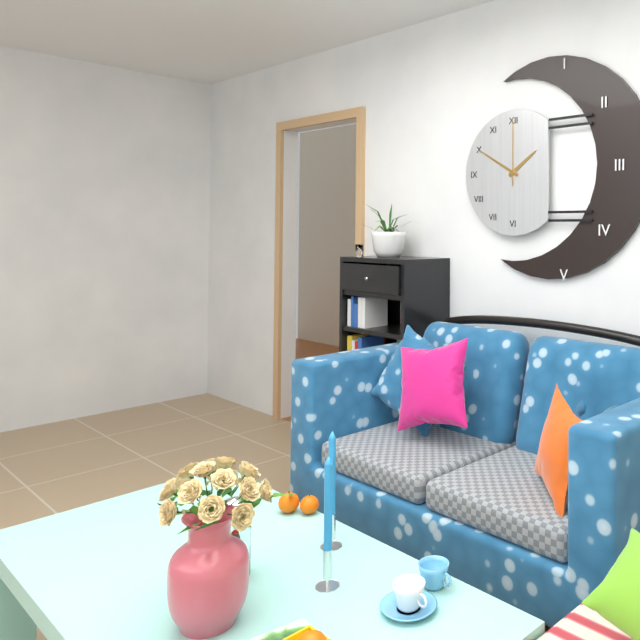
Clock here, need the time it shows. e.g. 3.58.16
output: 1.50.00
